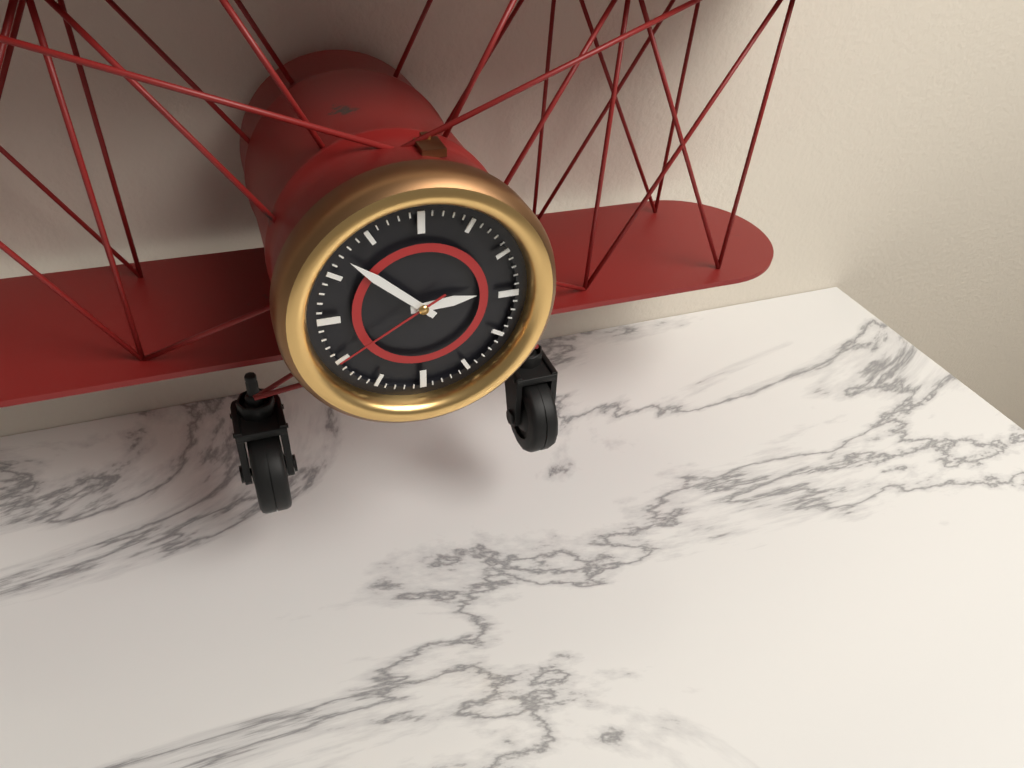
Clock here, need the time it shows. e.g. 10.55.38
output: 2.52.40
